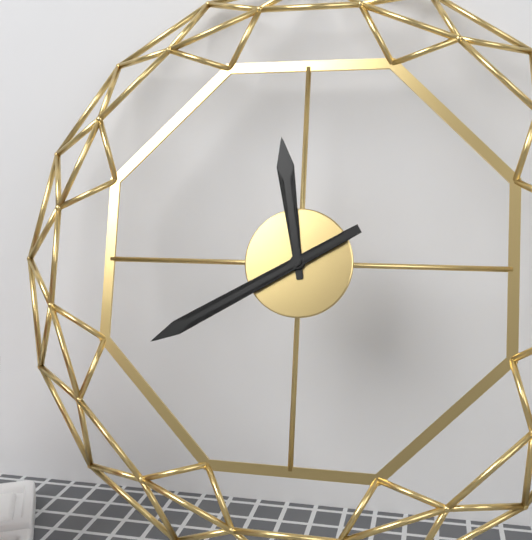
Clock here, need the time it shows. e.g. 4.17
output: 11.40
